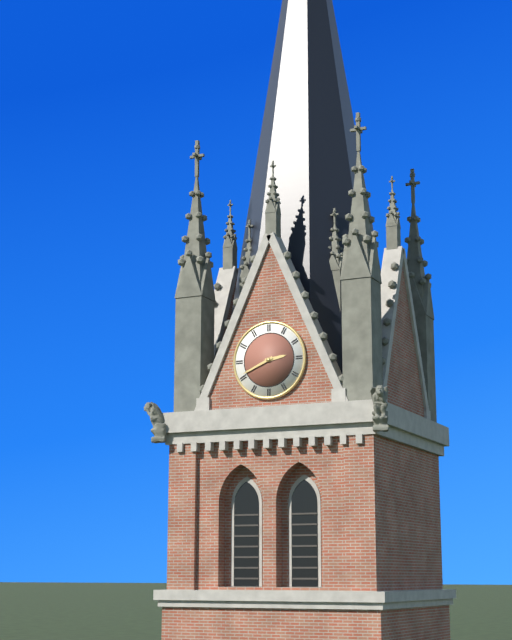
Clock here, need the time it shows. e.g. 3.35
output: 2.41
